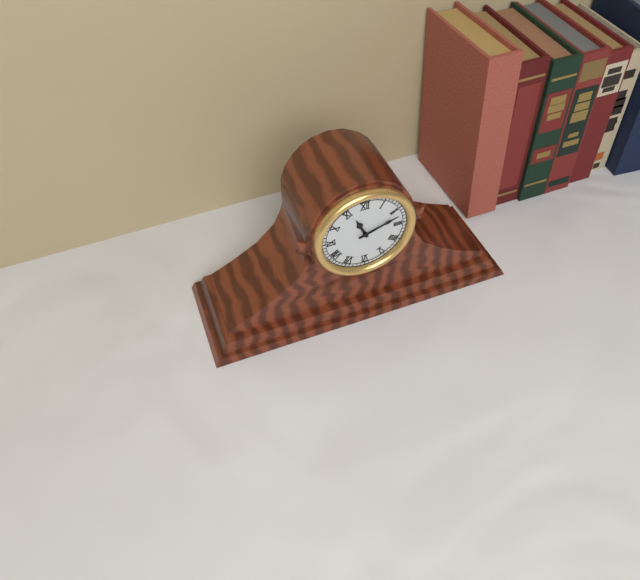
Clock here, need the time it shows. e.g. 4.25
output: 11.12
